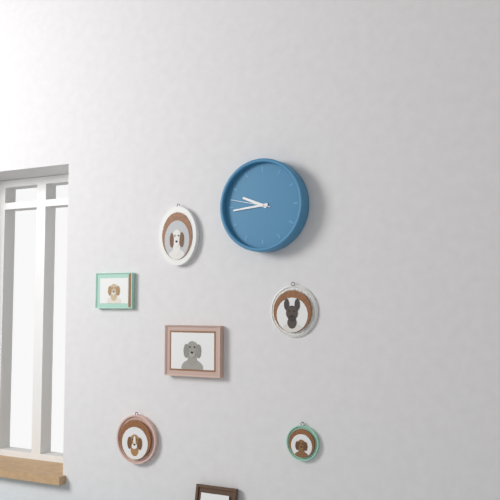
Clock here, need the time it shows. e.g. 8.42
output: 9.44
